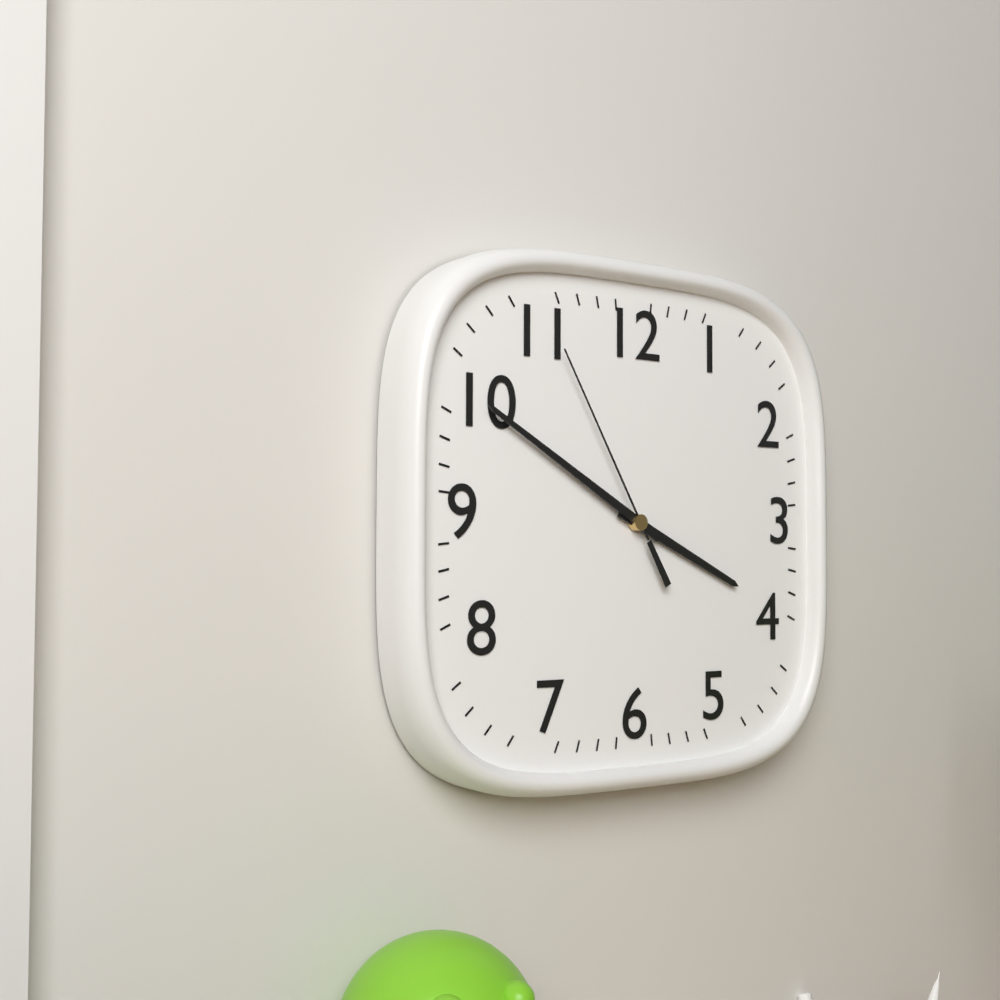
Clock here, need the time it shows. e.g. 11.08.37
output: 3.50.55
